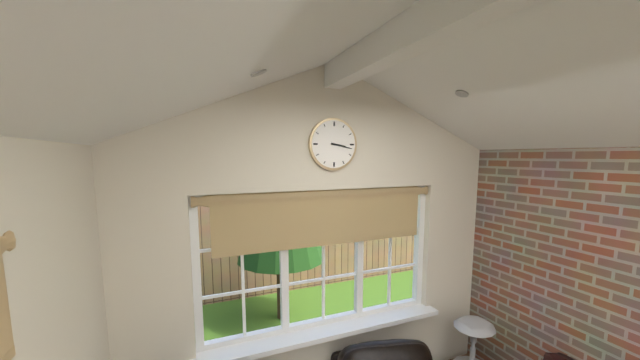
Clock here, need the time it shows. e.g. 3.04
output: 3.17
